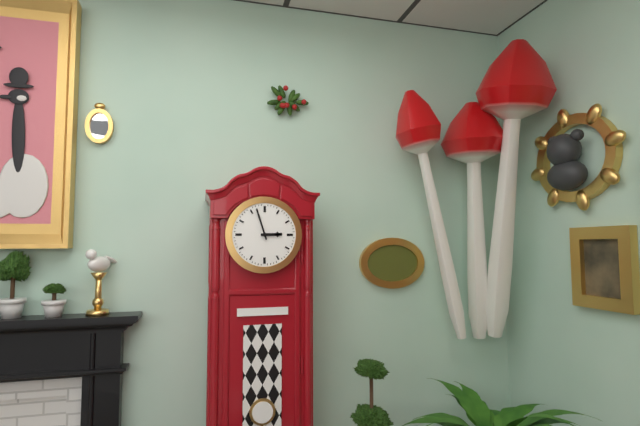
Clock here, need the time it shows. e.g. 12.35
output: 2.57
